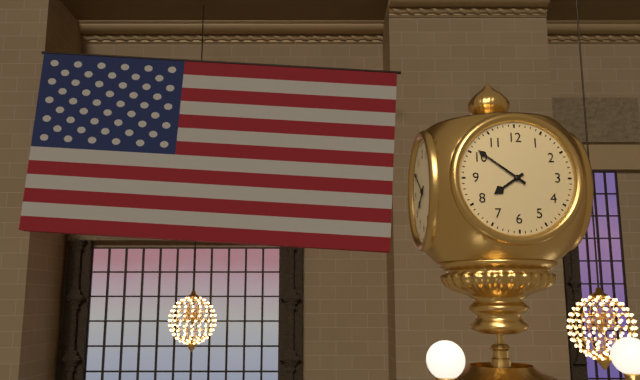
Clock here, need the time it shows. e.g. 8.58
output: 7.51
